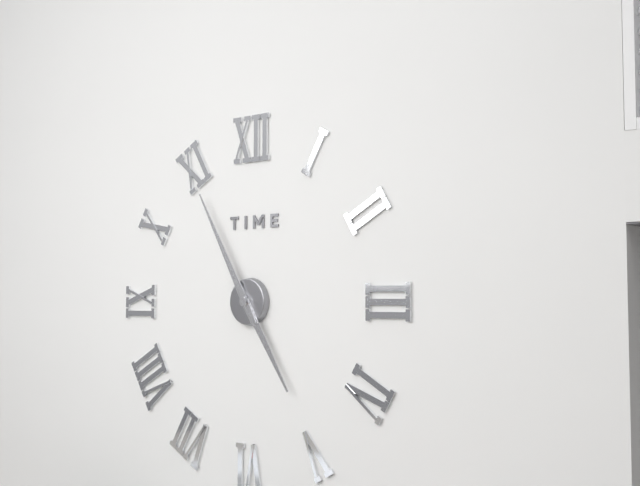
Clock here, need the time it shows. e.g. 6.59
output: 4.55
